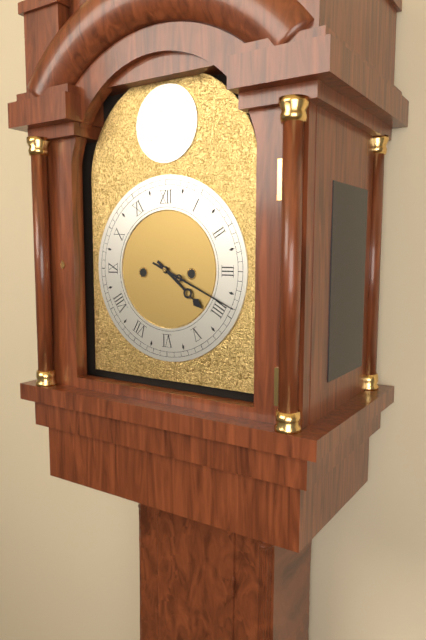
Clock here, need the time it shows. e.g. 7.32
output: 4.19
